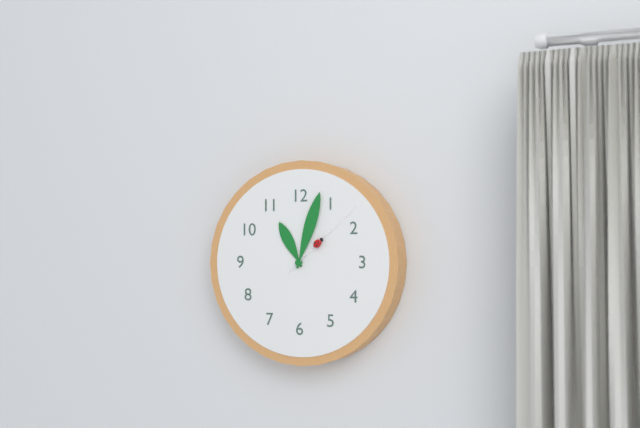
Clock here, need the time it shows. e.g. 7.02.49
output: 11.03.08
